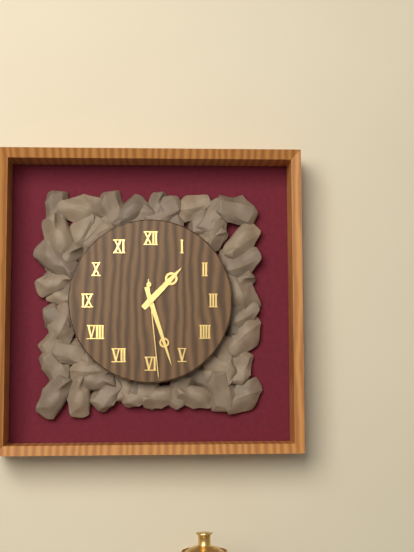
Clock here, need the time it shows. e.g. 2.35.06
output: 1.27.29
